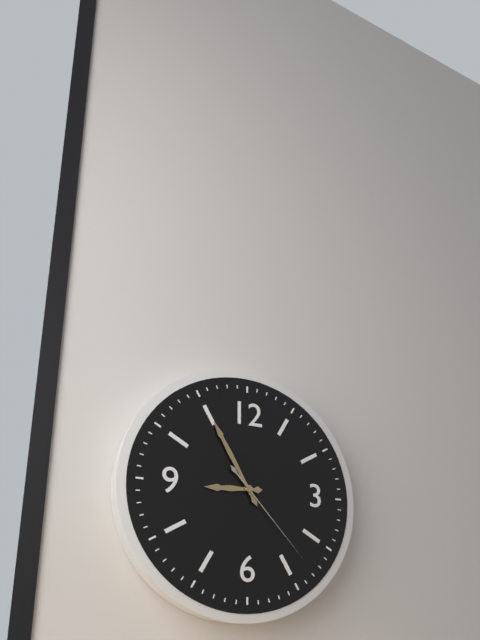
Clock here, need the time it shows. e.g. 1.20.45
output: 8.55.23
